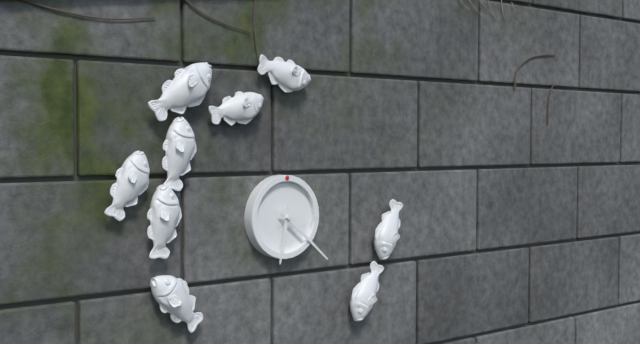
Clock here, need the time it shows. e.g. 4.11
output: 6.22
